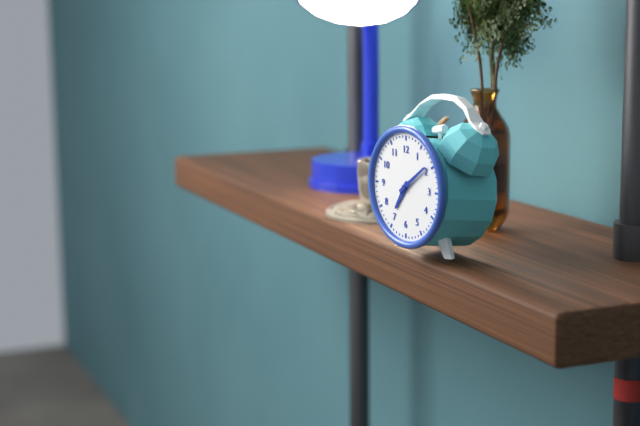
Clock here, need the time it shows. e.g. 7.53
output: 7.09
